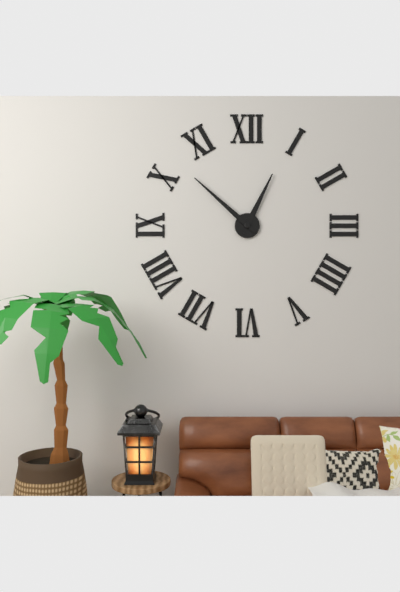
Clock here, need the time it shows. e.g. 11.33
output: 12.52
